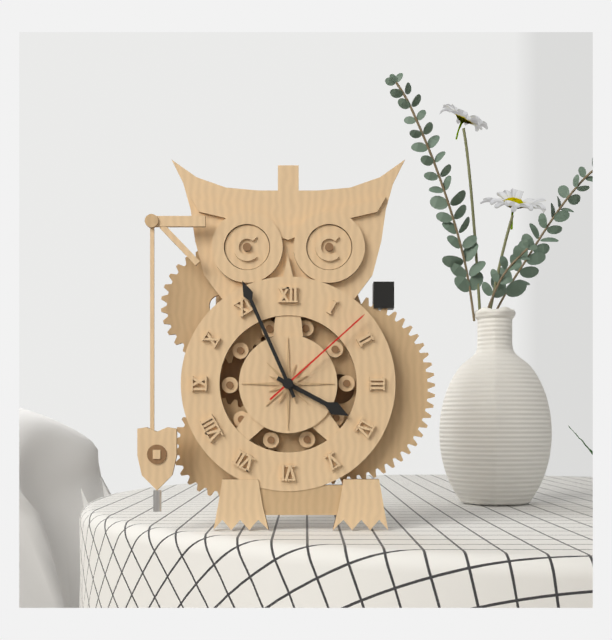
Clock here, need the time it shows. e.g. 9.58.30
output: 3.56.08
